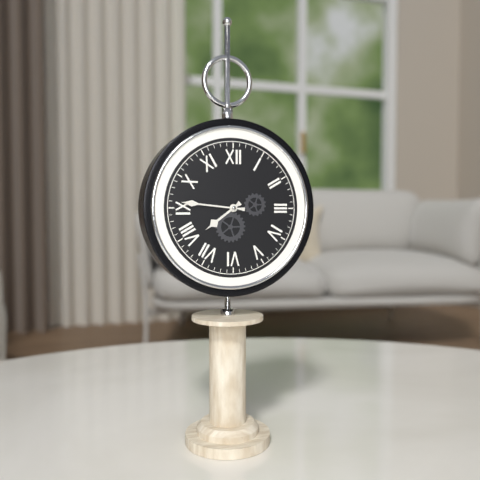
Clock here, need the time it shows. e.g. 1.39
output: 7.46
